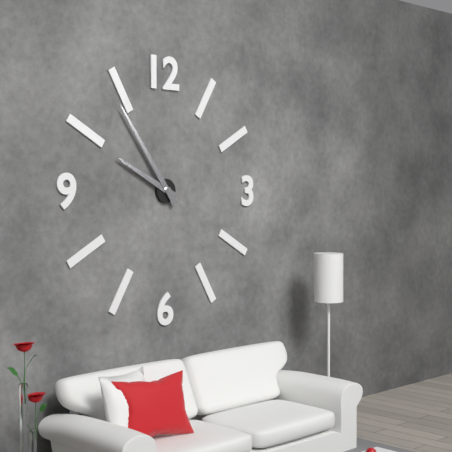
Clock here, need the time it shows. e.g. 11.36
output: 9.54
